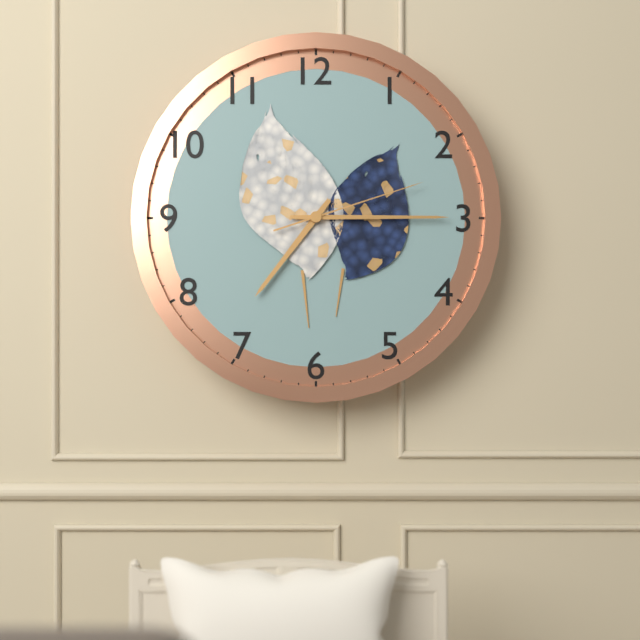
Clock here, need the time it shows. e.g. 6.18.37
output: 7.15.12
